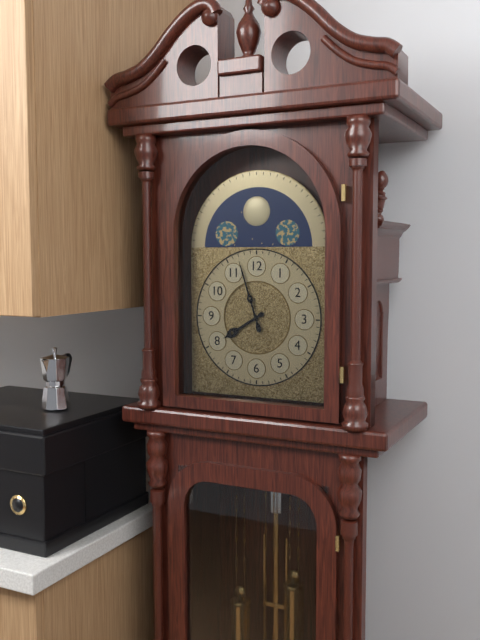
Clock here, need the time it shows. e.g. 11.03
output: 7.57
